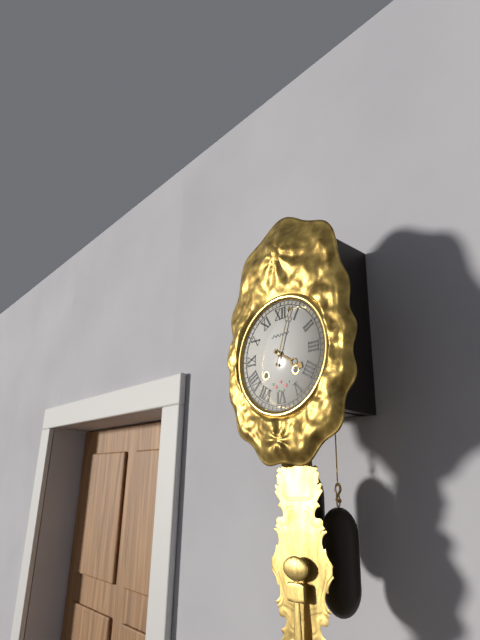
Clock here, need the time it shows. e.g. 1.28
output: 4.03
